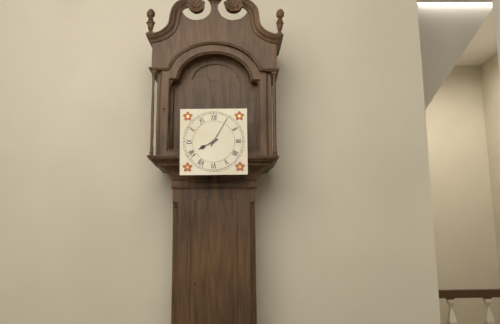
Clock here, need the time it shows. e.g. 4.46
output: 8.05
